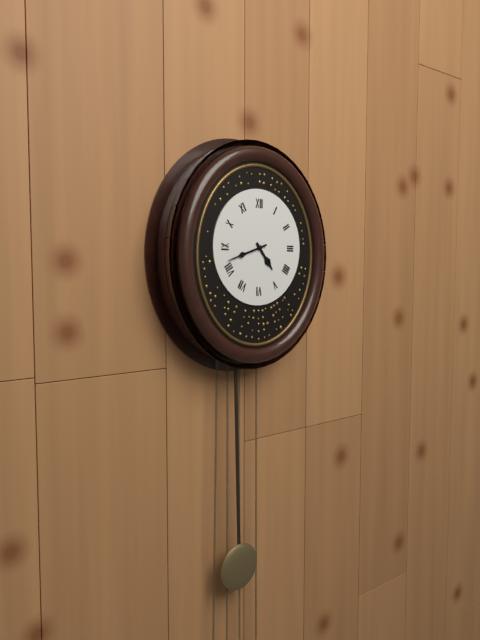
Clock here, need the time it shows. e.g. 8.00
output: 4.42
